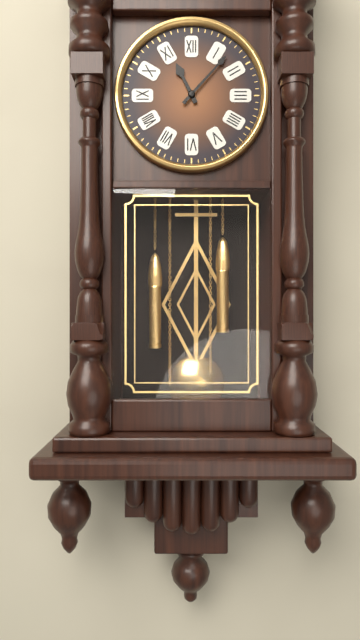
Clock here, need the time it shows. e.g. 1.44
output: 11.07
